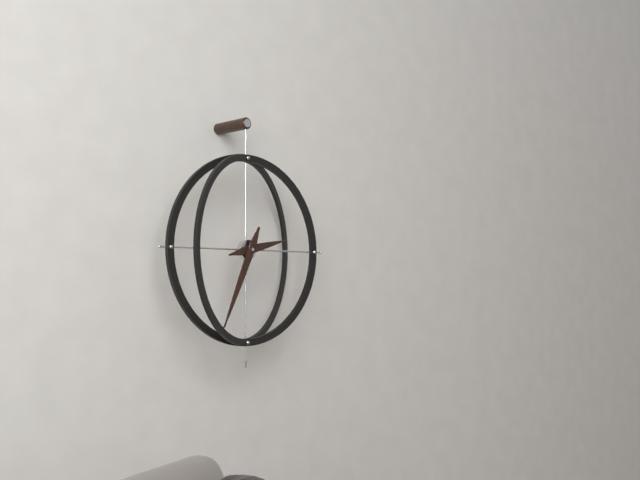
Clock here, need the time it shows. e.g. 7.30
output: 2.34
